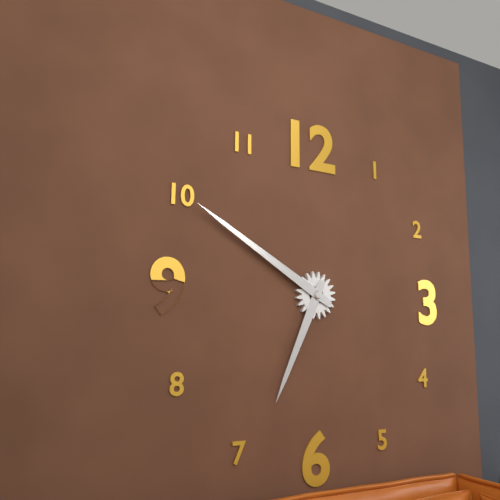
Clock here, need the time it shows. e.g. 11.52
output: 6.50
